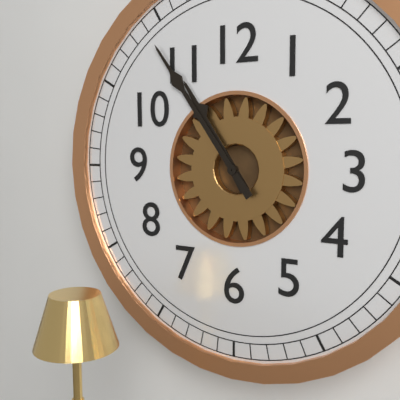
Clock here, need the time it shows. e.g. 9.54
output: 10.54
